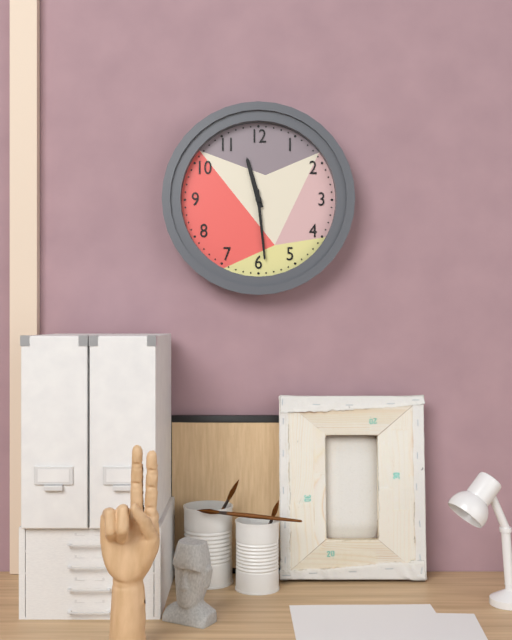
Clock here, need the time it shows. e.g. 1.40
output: 11.29
